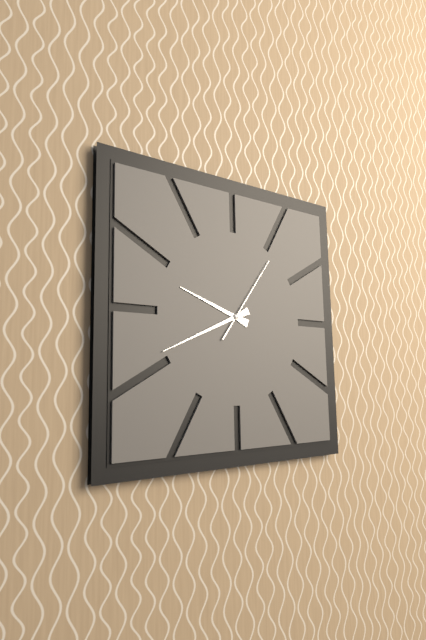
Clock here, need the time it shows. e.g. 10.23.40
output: 9.41.06
